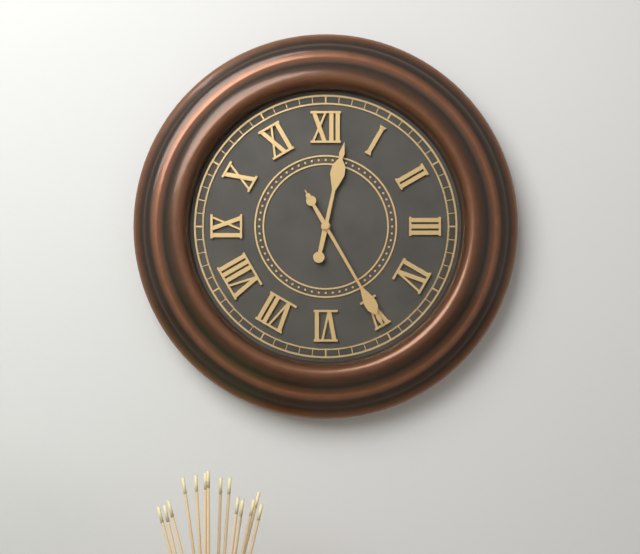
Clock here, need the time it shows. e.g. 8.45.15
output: 12.25.25
